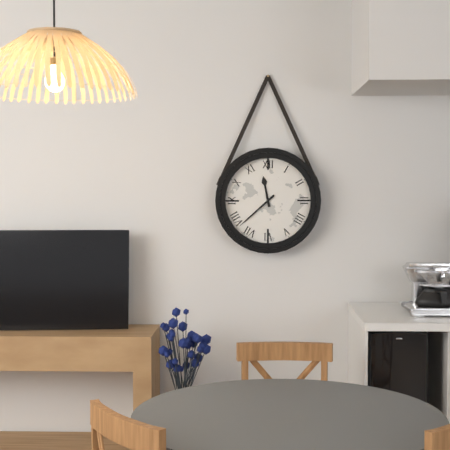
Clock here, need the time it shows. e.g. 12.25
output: 11.38
